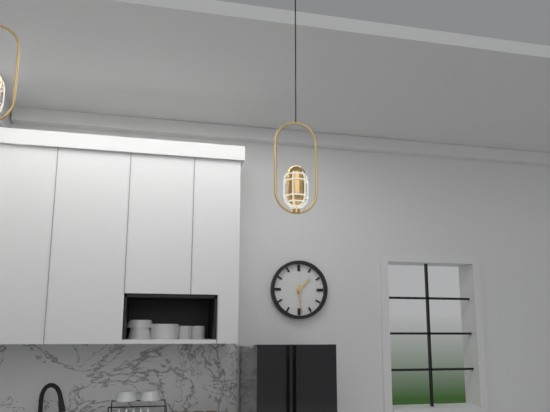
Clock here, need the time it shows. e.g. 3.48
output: 1.29
